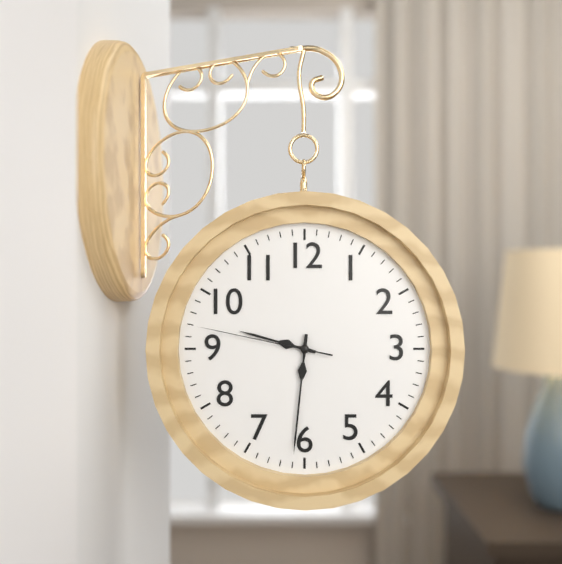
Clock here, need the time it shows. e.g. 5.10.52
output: 9.31.47
